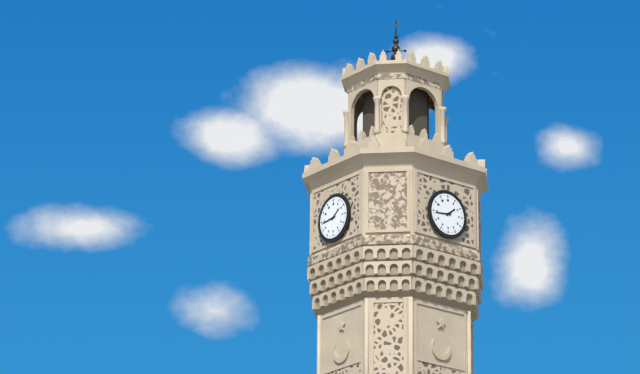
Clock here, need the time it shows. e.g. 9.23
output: 1.44
